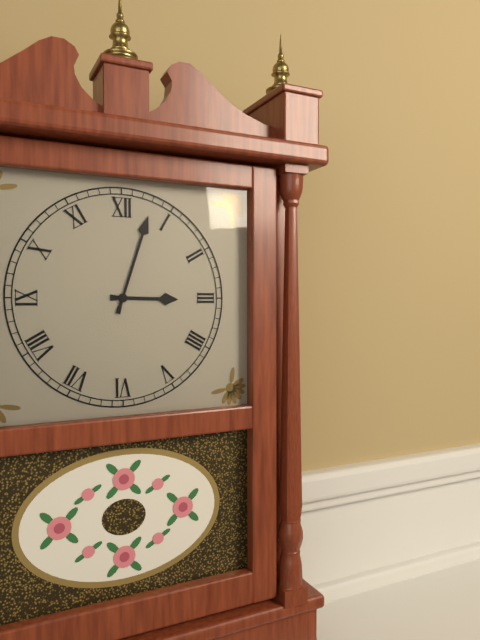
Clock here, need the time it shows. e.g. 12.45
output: 3.03
